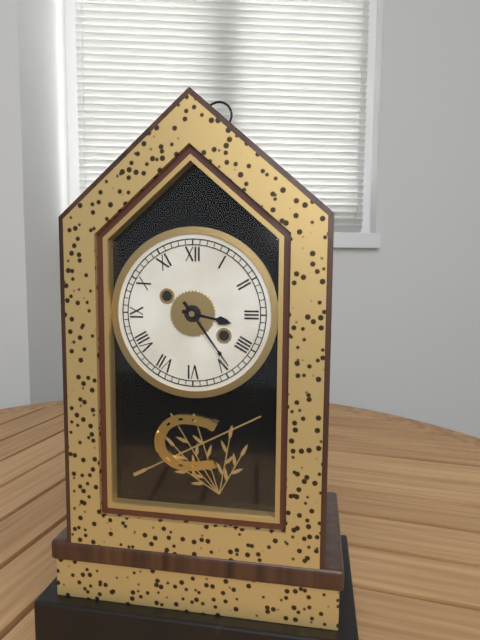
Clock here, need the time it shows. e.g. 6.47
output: 3.24
